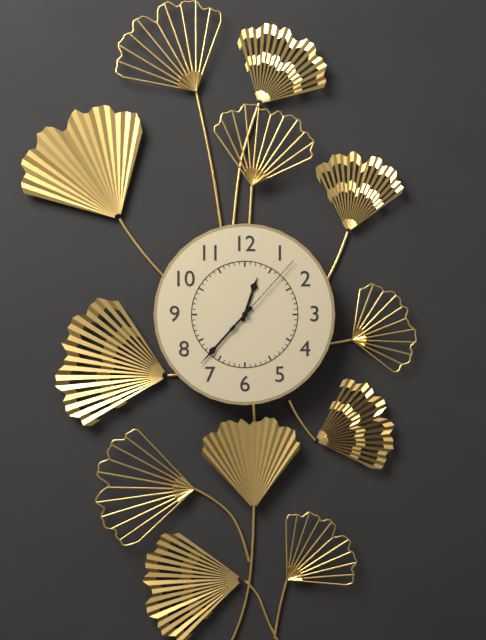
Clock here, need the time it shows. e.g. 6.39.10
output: 12.37.07
